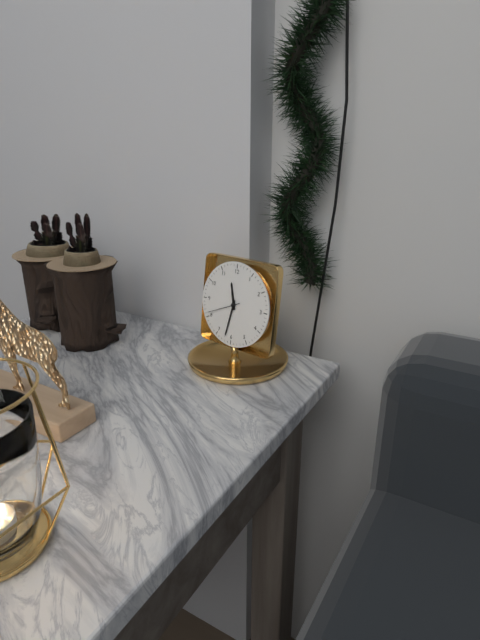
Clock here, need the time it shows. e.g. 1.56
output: 11.32
